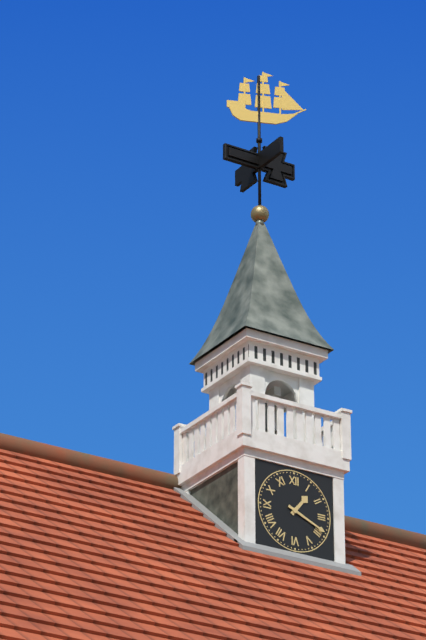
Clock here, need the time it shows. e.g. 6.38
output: 1.19
